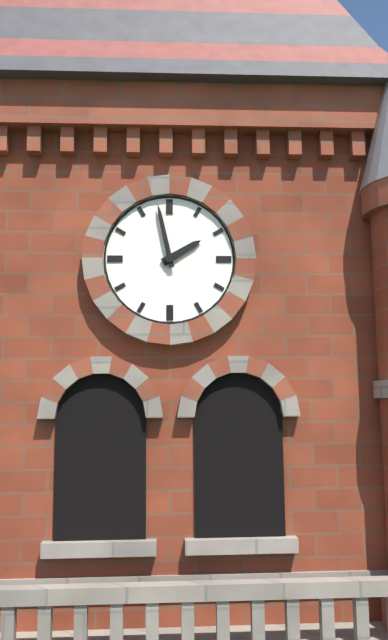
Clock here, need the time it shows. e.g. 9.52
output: 1.58
